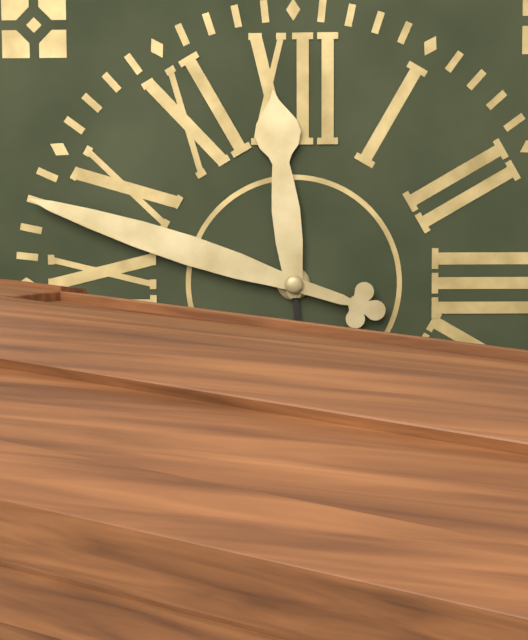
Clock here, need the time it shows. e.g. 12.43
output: 11.48
